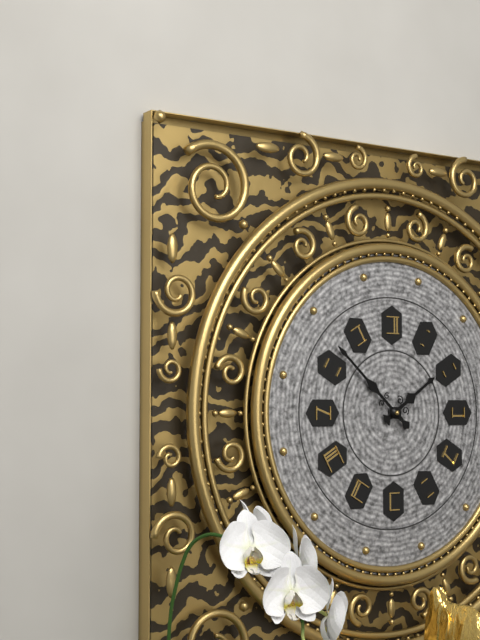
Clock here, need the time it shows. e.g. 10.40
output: 1.52
